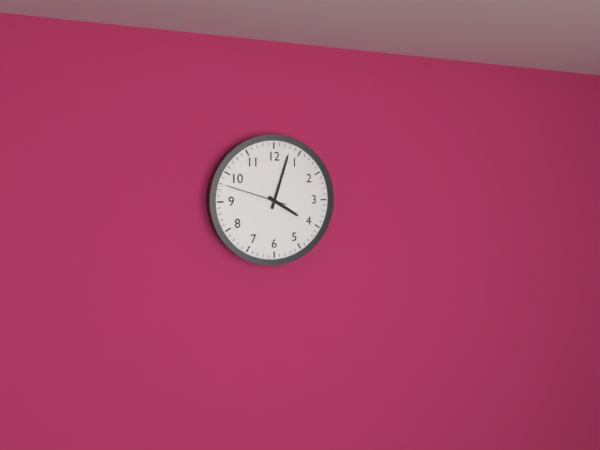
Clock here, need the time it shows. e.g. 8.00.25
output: 4.03.48
